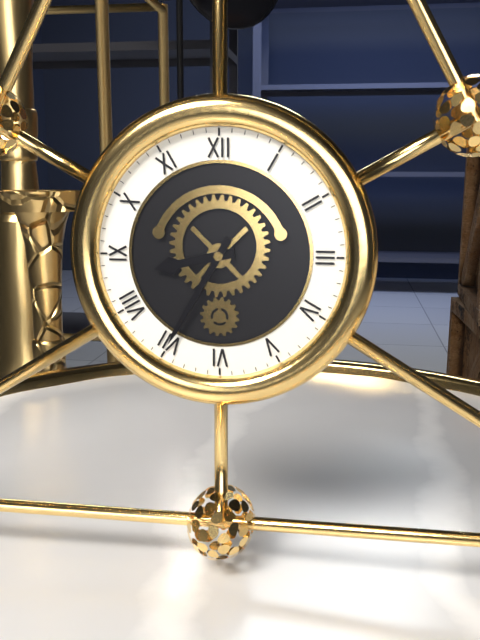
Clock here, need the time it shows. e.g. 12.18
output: 8.35
